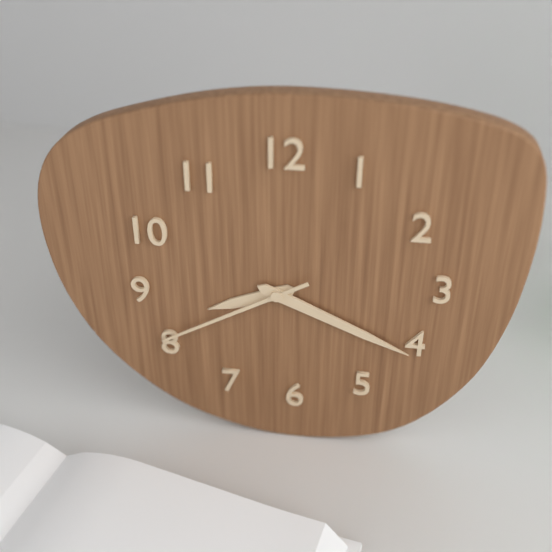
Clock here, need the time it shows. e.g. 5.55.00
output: 8.19.40
